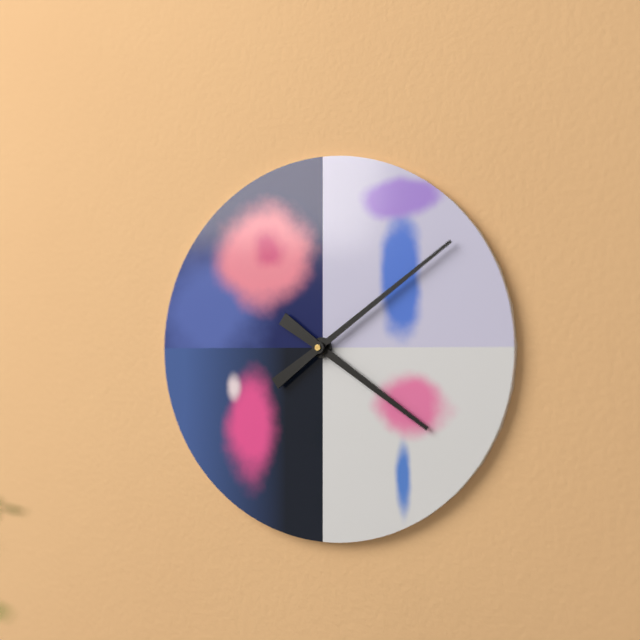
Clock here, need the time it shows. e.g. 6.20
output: 4.09
